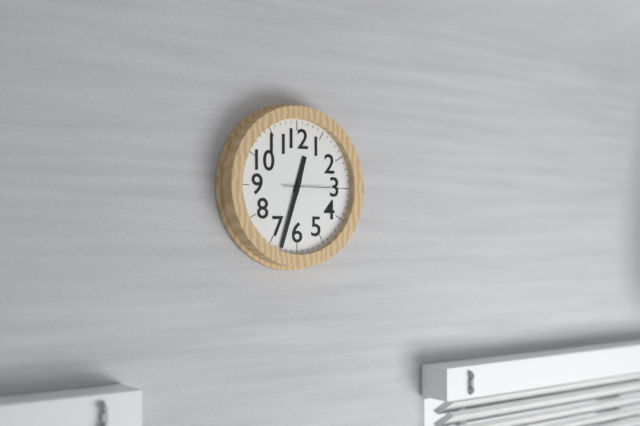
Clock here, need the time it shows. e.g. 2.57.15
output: 12.33.15
